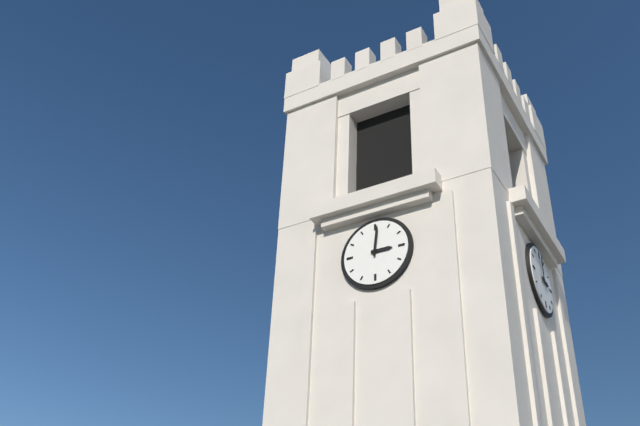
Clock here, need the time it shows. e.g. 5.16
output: 3.01
